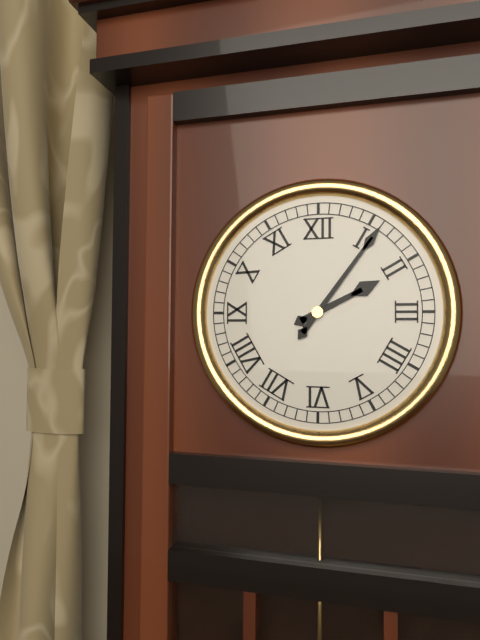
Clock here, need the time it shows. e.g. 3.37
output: 2.06
